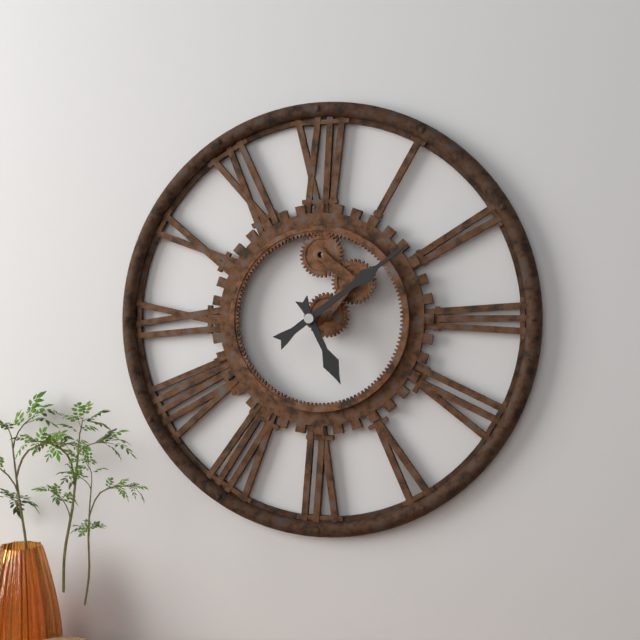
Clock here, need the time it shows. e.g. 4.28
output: 5.09
